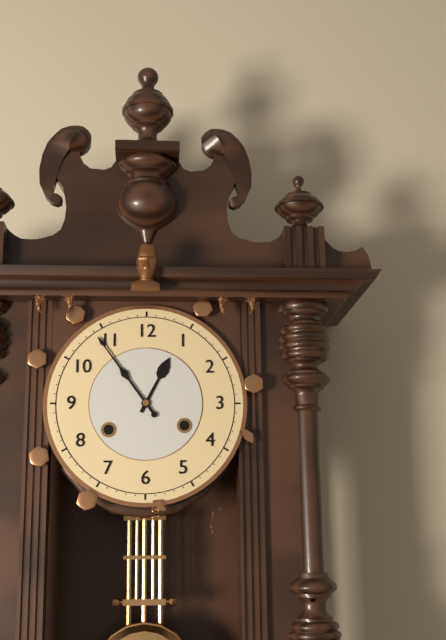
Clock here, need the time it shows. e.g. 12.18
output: 12.54
